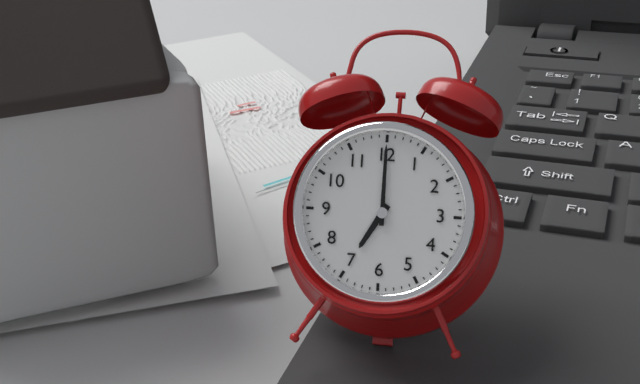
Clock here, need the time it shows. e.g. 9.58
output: 7.00
